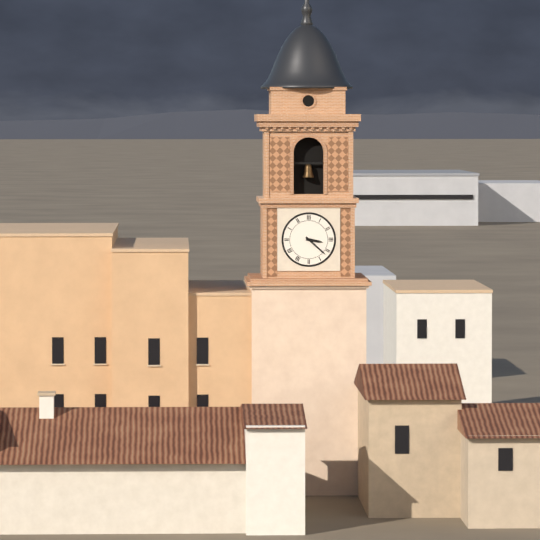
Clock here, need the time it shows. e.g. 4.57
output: 3.22
